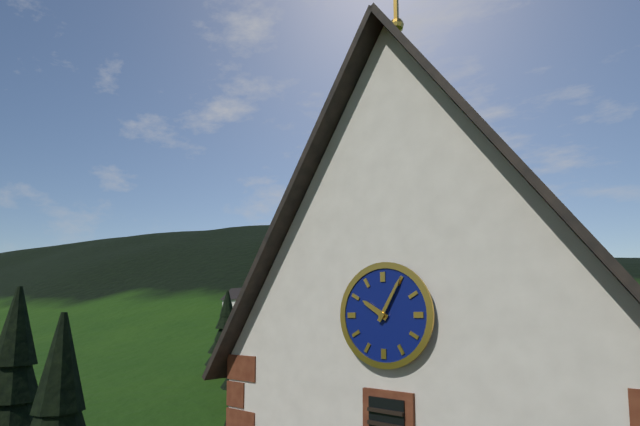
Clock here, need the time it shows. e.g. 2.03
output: 10.05
